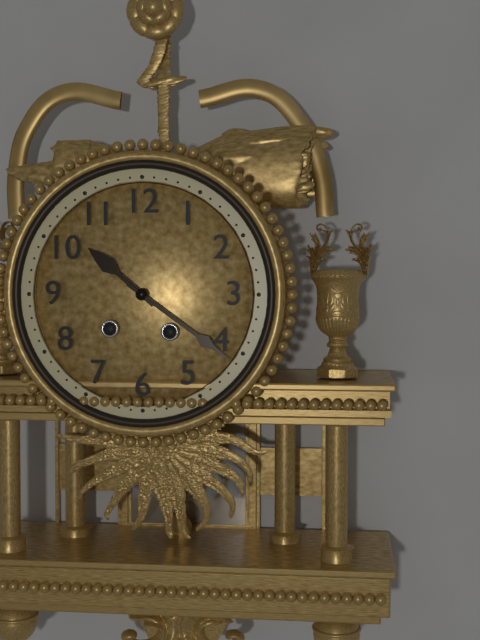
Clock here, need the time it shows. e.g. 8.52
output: 10.21
